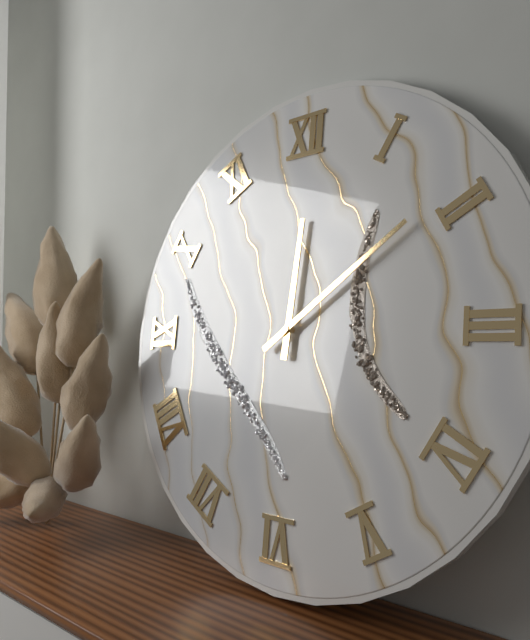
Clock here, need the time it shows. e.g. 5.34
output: 12.09
